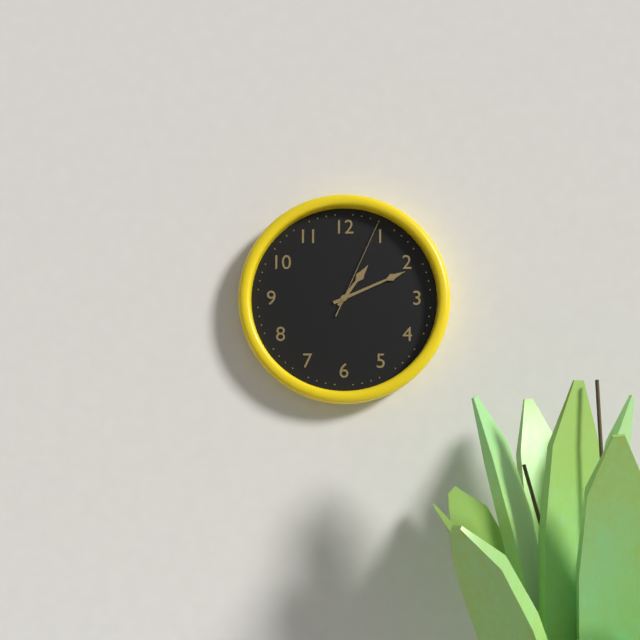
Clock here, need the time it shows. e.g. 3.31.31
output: 1.11.04
